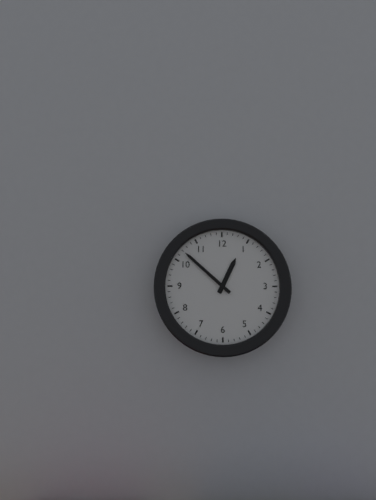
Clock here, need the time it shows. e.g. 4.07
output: 12.52
